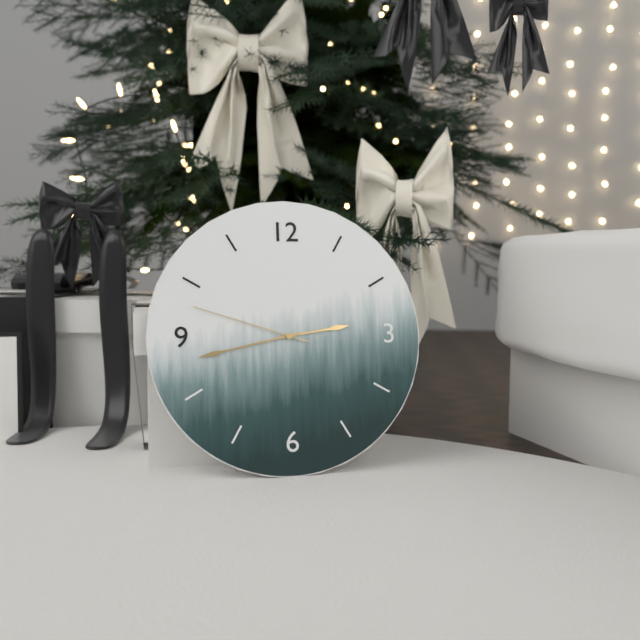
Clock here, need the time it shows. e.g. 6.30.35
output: 2.43.48
